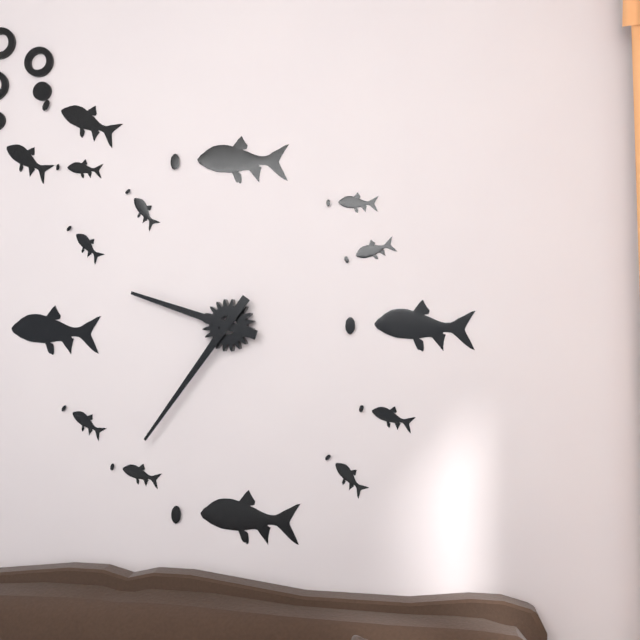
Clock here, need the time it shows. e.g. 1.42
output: 9.36
